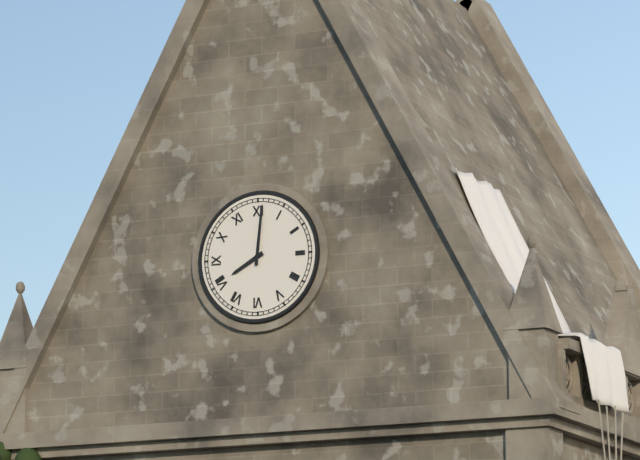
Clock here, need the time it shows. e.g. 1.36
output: 8.01
